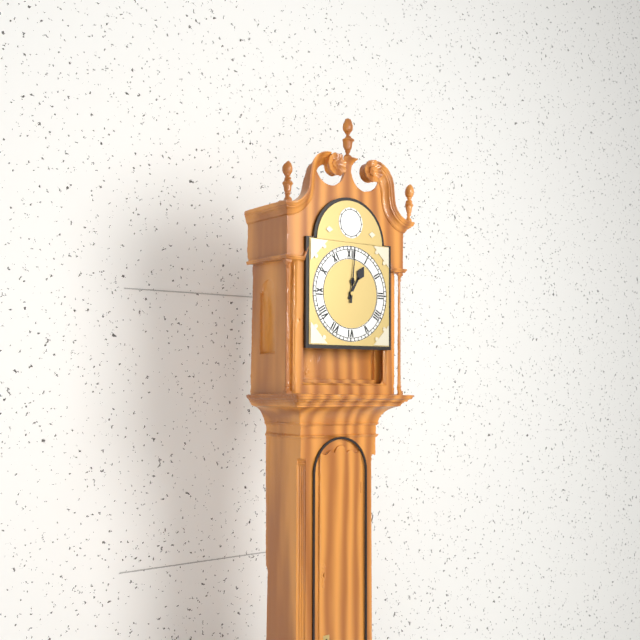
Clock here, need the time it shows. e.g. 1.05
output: 1.01
